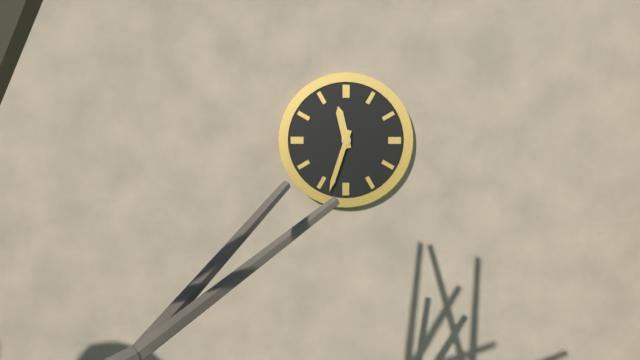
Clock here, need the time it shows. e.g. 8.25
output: 11.33
